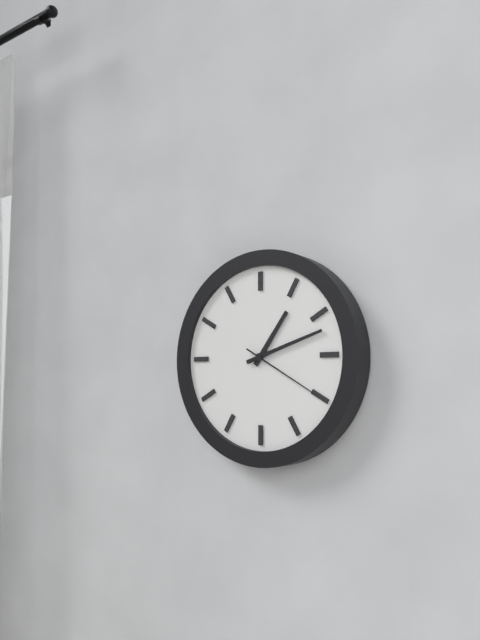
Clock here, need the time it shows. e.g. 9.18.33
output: 1.12.20
